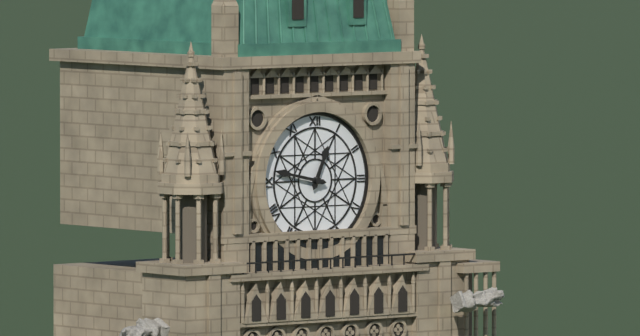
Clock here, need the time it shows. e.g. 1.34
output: 12.47
